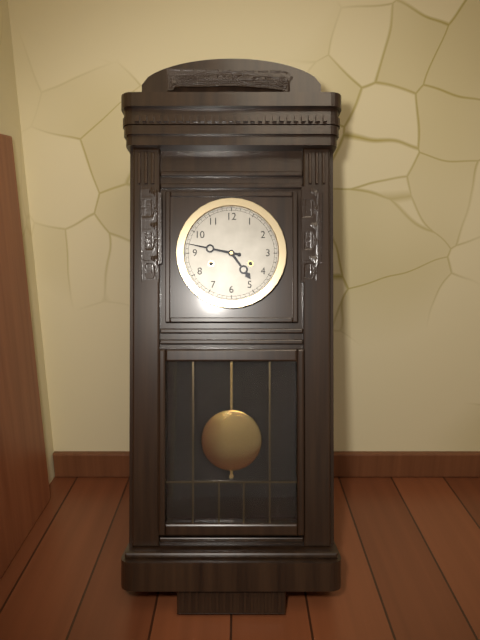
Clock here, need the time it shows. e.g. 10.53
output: 4.47
